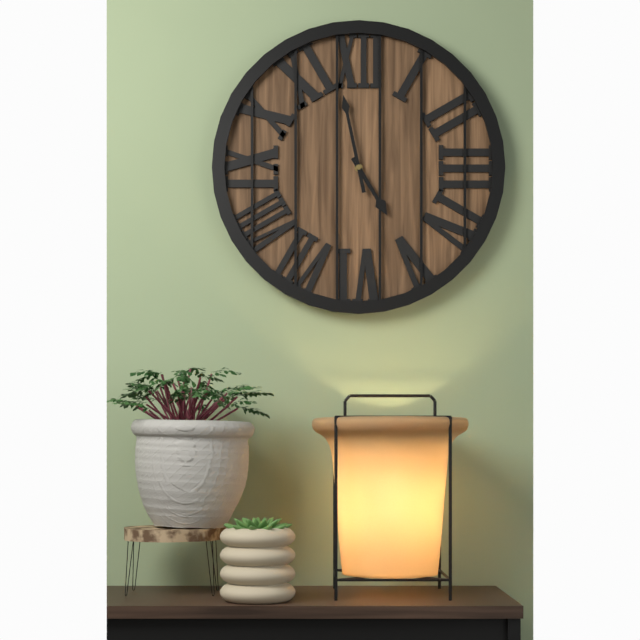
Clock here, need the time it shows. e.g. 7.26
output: 4.58
